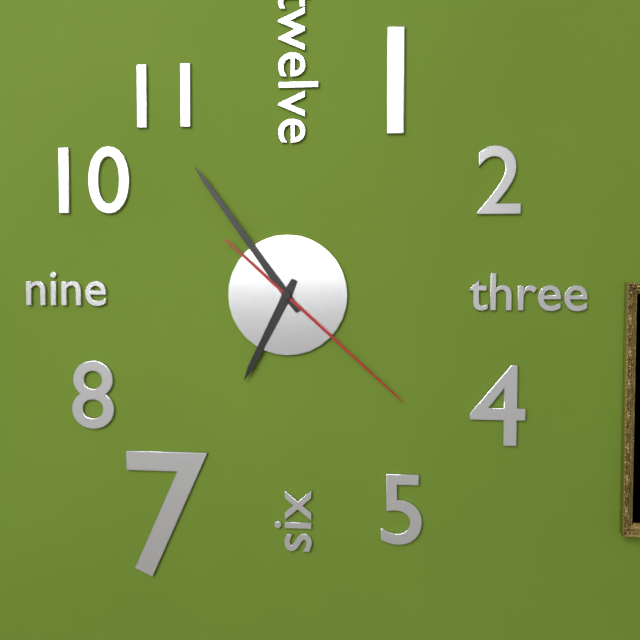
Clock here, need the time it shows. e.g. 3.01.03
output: 6.54.22
